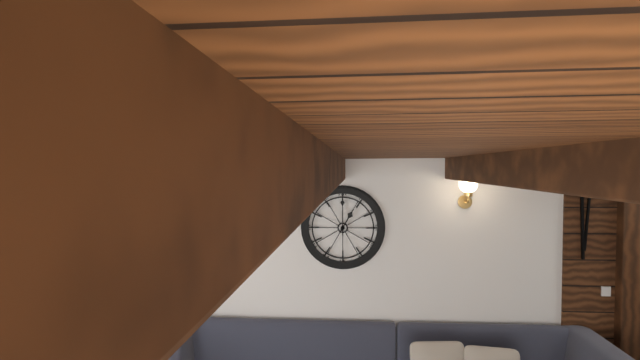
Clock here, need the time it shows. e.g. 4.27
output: 1.00
